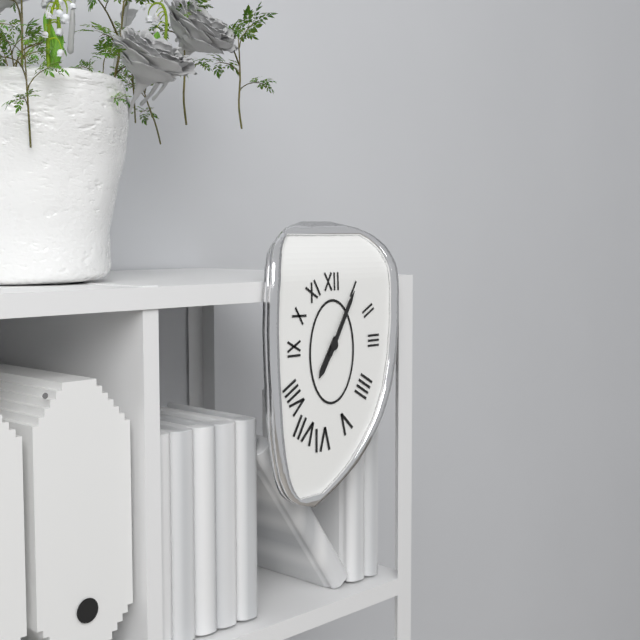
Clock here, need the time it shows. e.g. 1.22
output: 7.05
